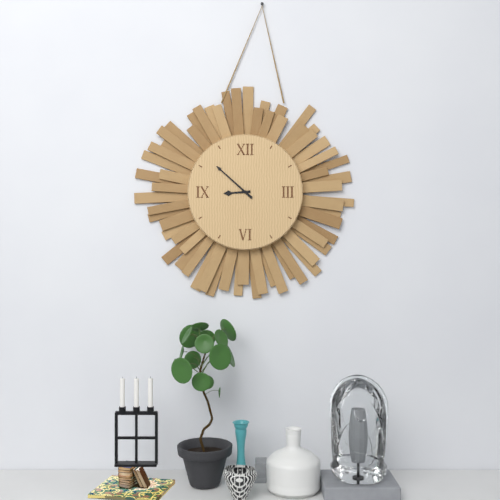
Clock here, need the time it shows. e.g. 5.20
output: 8.52
